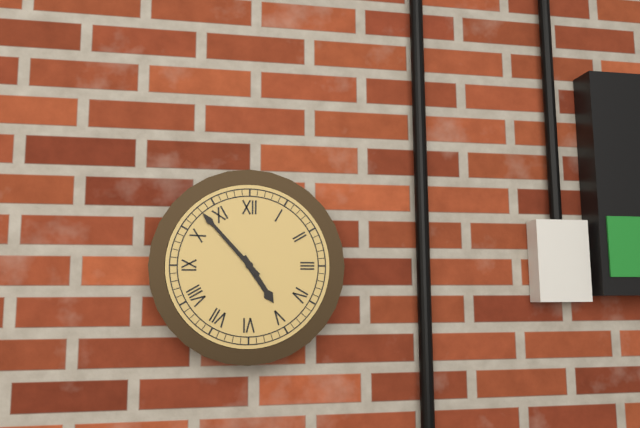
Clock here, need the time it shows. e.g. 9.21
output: 4.53
